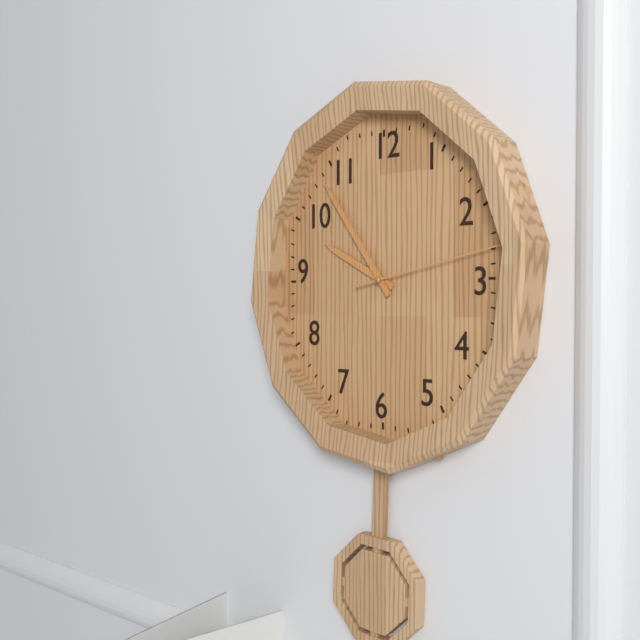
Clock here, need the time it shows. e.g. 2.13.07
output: 9.54.13
